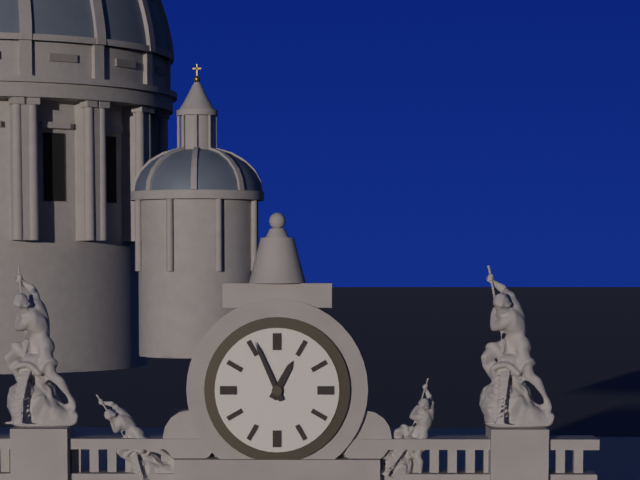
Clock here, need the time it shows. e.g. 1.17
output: 12.56
